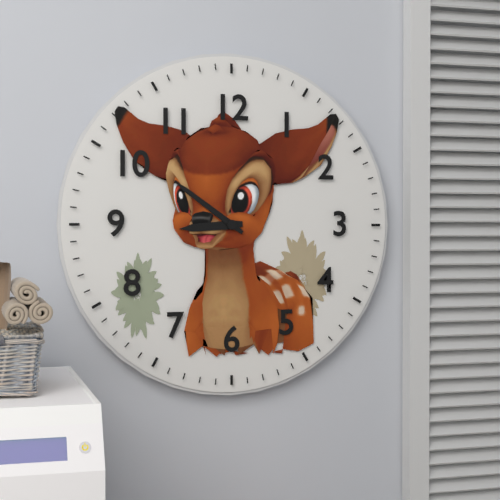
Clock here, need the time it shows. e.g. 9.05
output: 8.51
